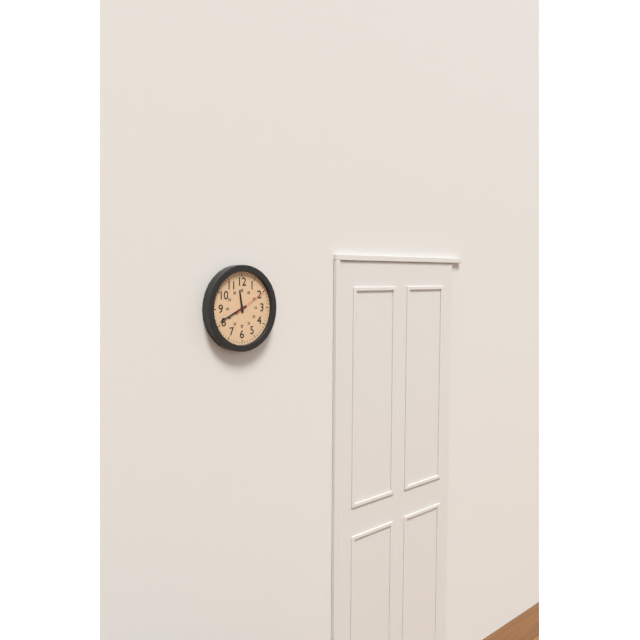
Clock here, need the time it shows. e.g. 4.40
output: 11.41
